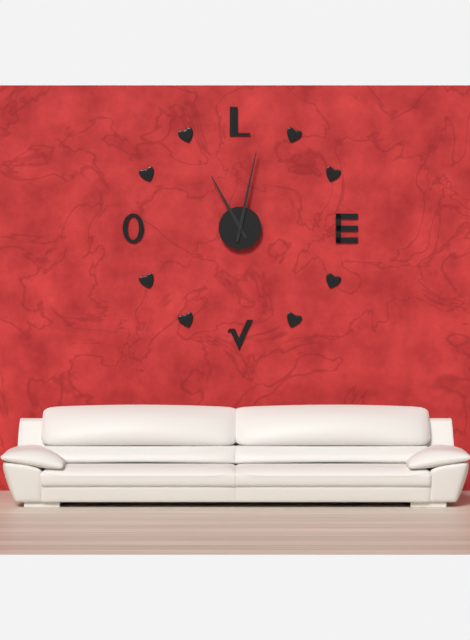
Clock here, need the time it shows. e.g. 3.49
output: 11.02
